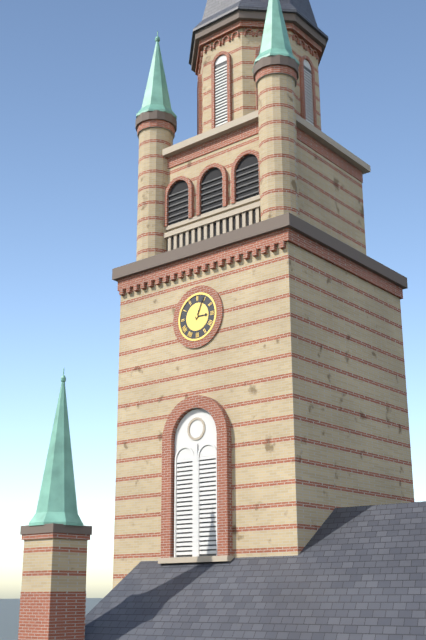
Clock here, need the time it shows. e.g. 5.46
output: 3.04
